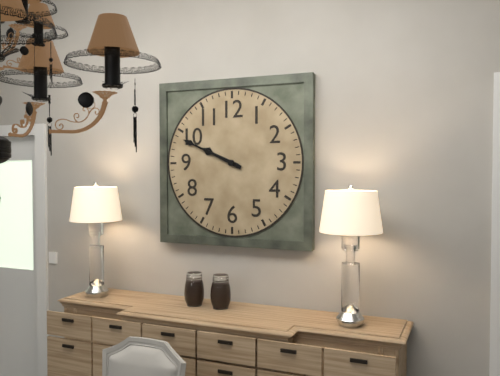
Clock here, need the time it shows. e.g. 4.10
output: 9.49
